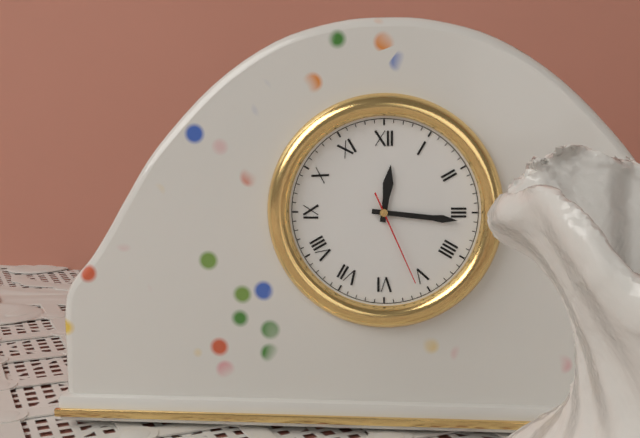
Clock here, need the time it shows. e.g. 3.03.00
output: 12.16.26
